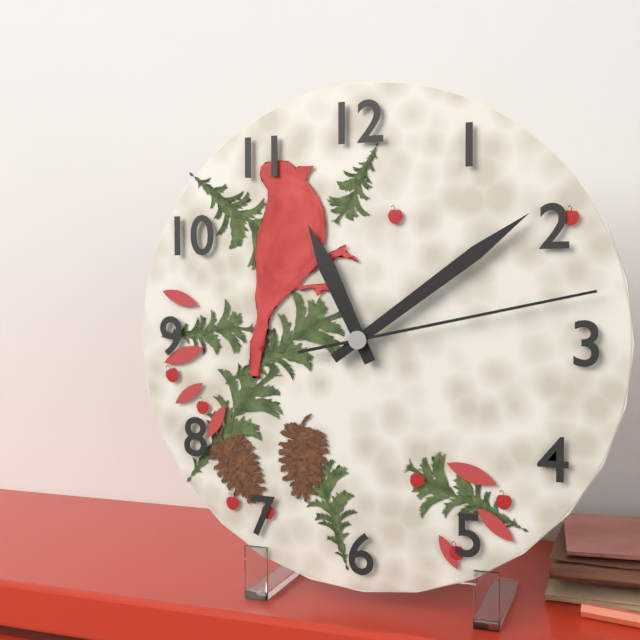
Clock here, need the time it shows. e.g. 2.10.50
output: 11.09.13
